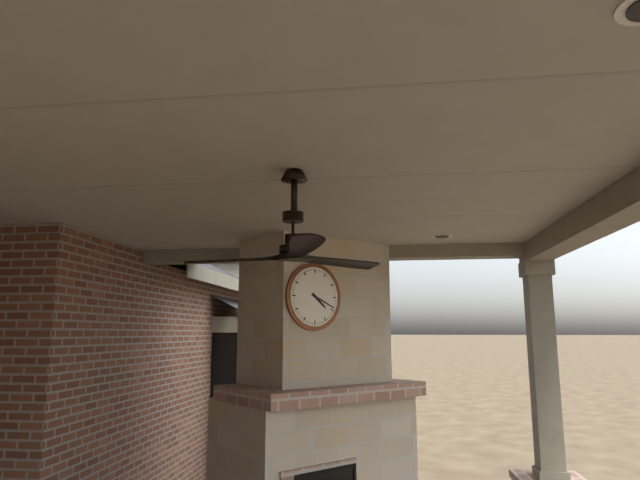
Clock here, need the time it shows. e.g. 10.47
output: 4.19
